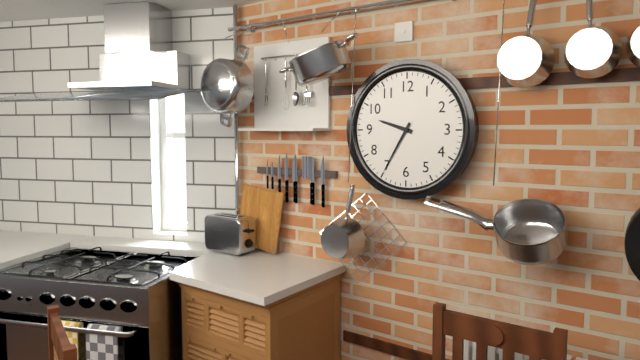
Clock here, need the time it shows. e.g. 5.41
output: 9.35
